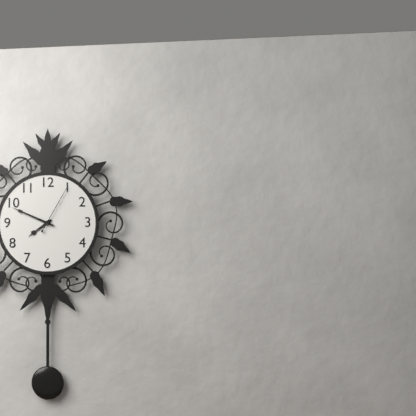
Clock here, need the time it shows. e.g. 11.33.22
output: 7.49.05
